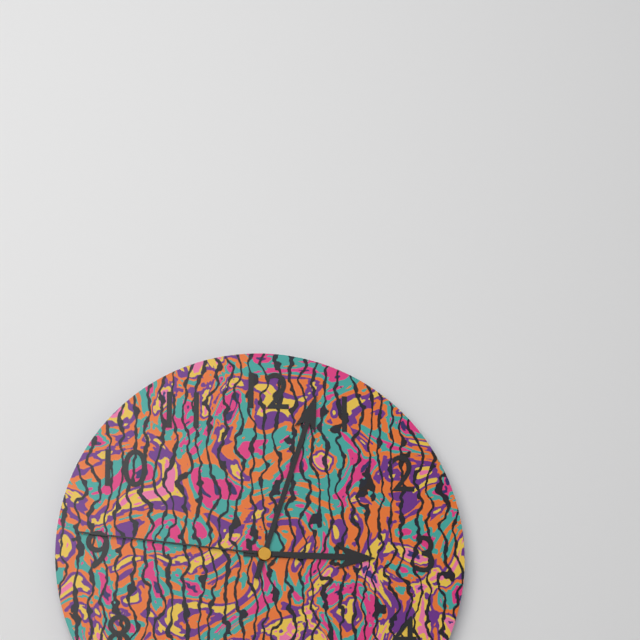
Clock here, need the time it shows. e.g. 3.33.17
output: 3.03.46
